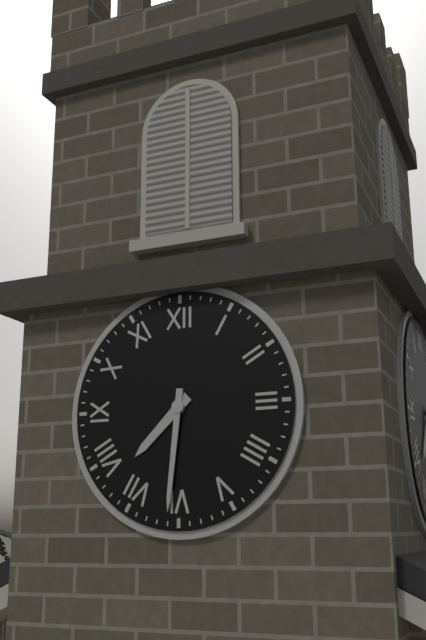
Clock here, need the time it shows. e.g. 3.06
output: 7.31
